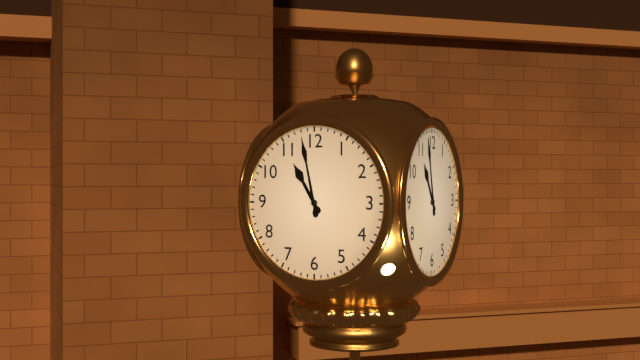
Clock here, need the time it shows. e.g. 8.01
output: 10.58
